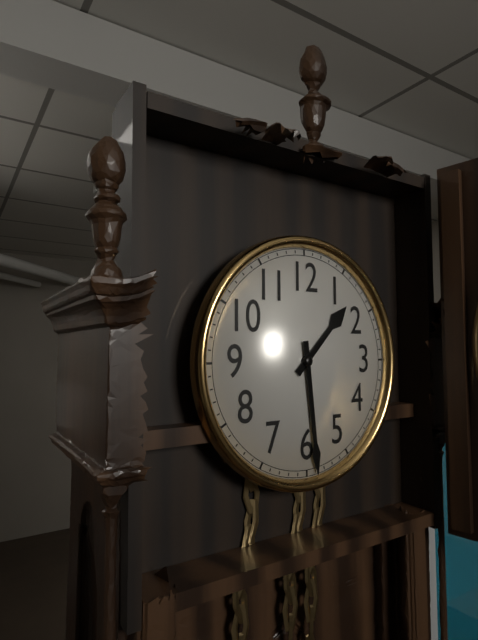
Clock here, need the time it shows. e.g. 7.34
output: 1.29
